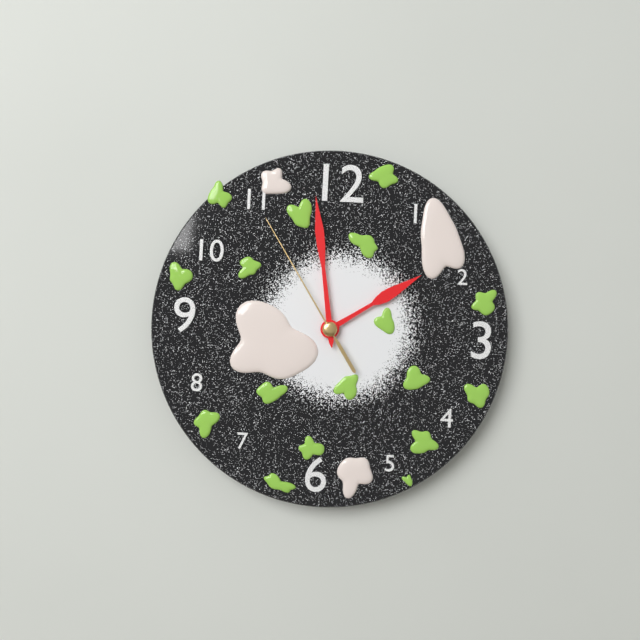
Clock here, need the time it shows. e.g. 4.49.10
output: 1.59.55
